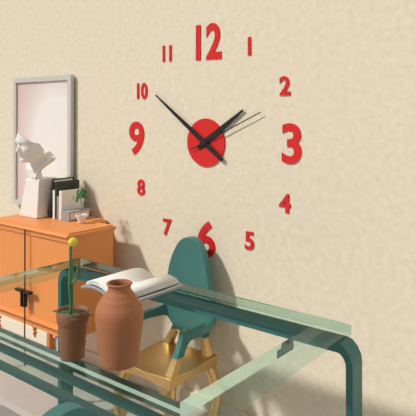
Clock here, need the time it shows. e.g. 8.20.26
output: 1.51.11
